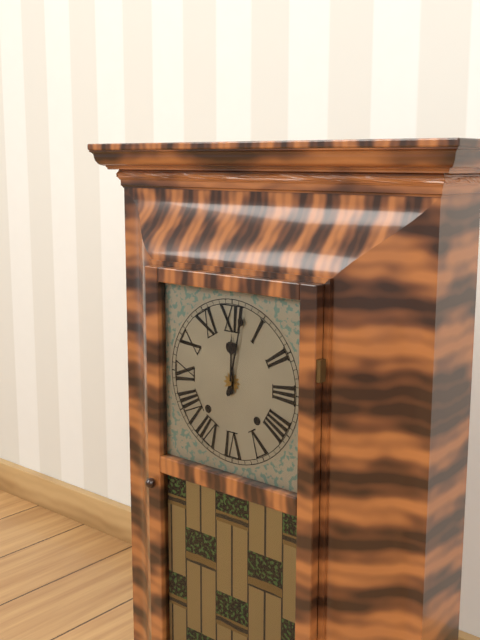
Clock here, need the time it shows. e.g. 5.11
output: 12.02
